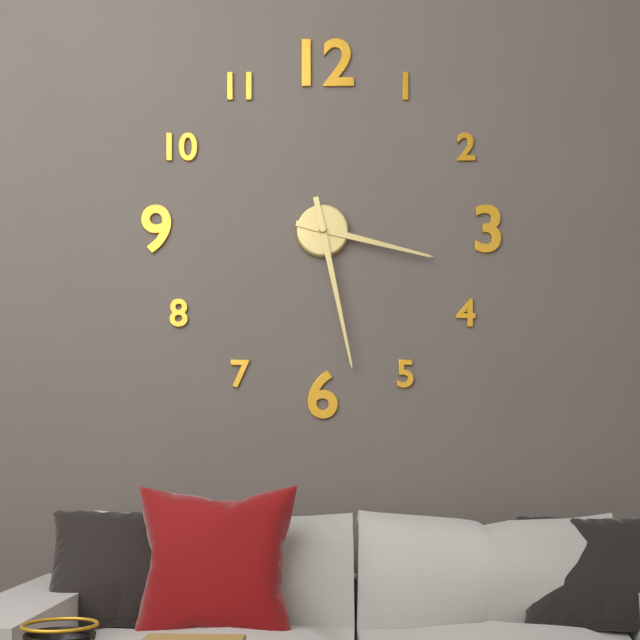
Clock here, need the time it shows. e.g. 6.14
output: 3.28
